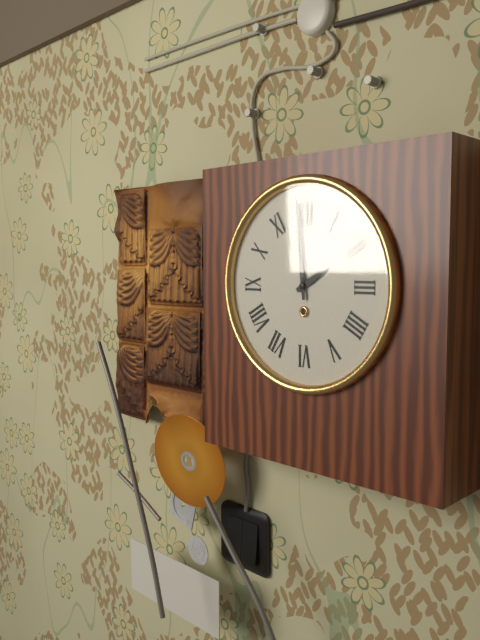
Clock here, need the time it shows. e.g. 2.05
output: 1.59
